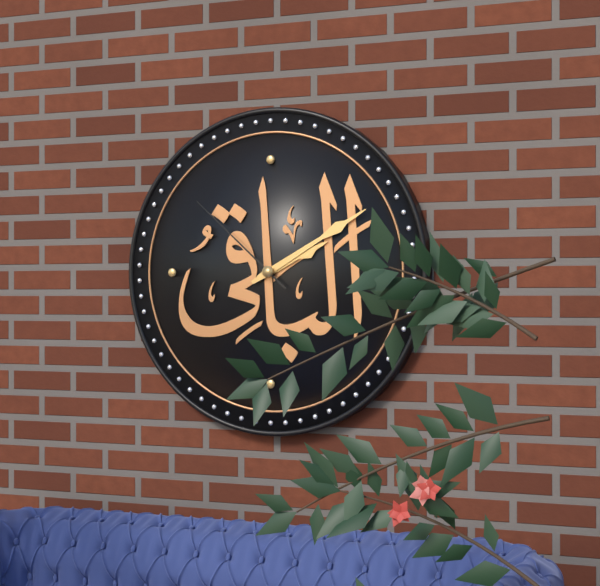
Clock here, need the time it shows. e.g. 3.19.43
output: 2.10.52
